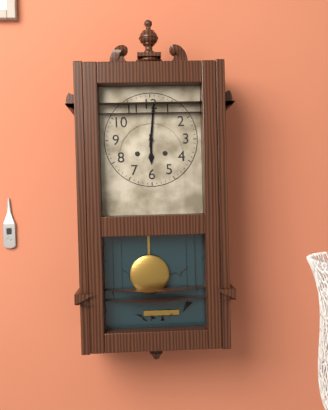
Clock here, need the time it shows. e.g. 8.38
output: 6.01
